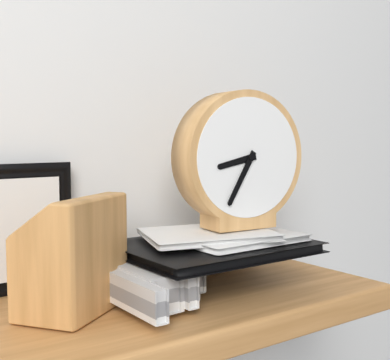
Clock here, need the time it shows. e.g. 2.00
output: 8.35
